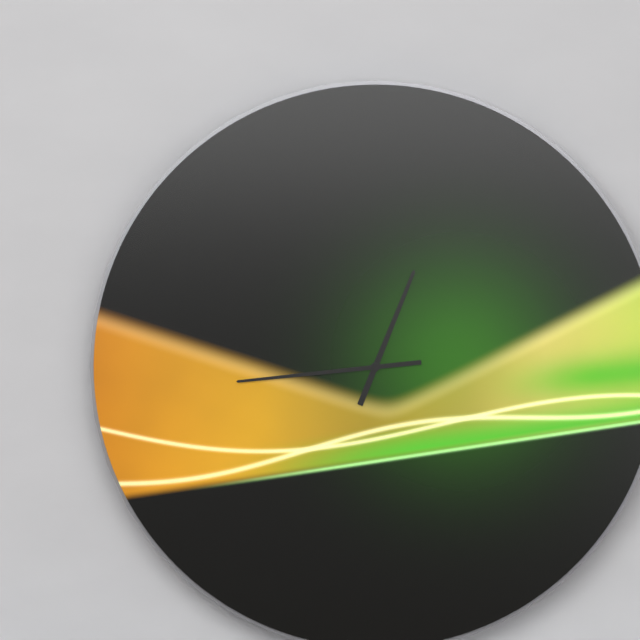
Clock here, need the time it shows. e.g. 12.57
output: 12.44
